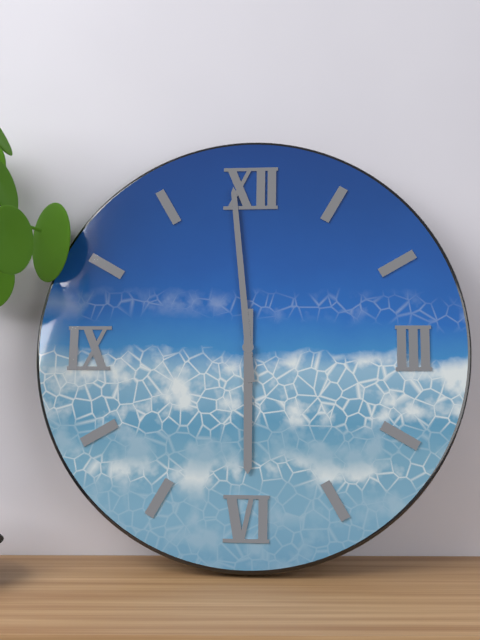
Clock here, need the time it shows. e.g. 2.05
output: 5.59
